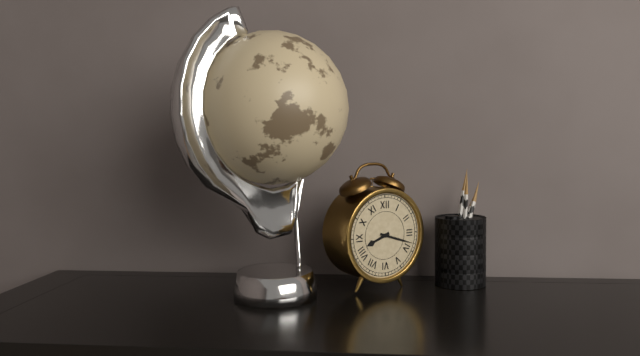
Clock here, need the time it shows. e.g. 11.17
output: 8.18
